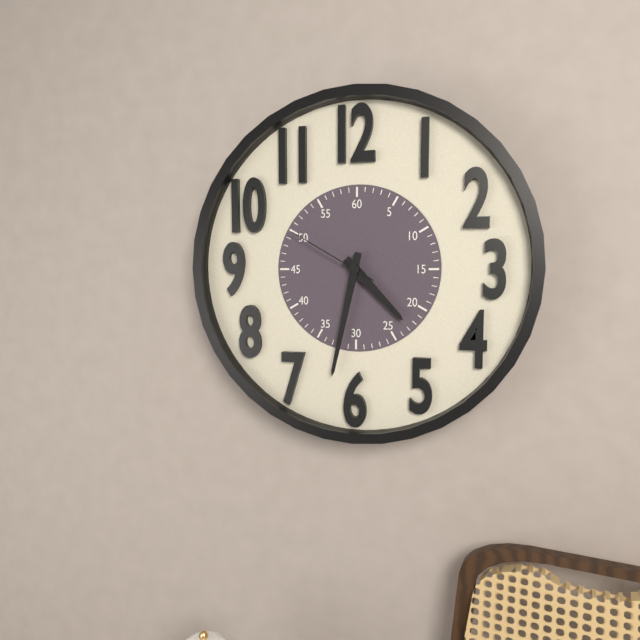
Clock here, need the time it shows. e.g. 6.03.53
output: 4.32.50
